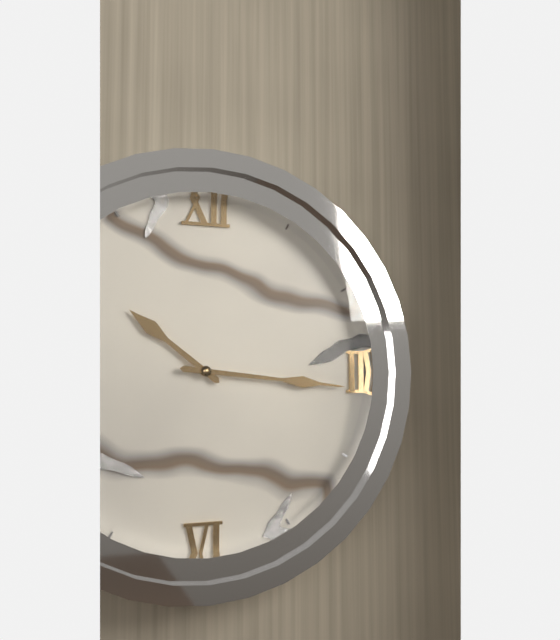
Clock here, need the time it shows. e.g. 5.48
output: 10.16
